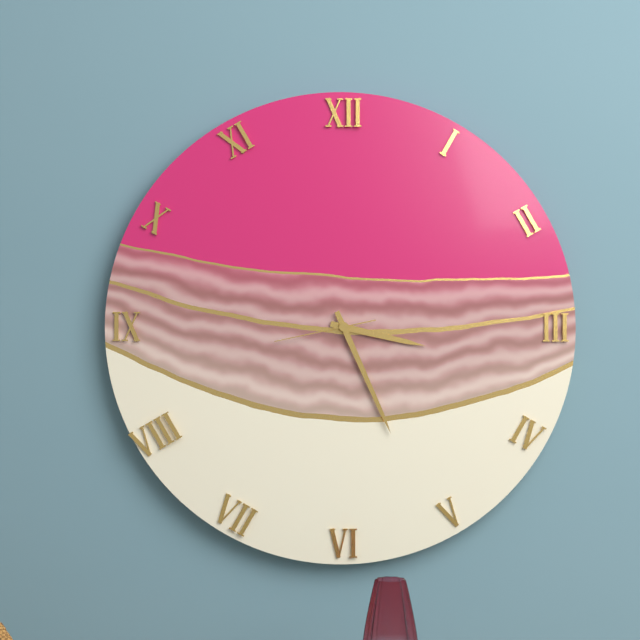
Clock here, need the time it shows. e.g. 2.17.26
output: 3.26.43
